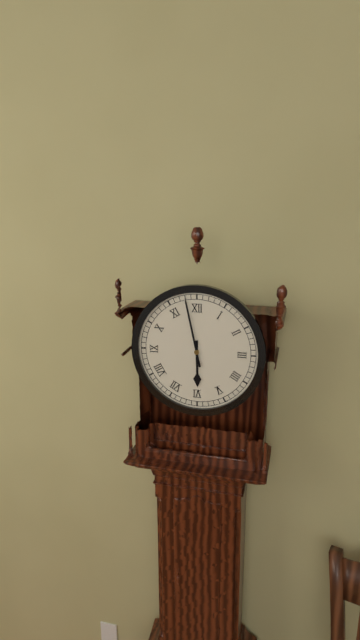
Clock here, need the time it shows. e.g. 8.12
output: 5.58
